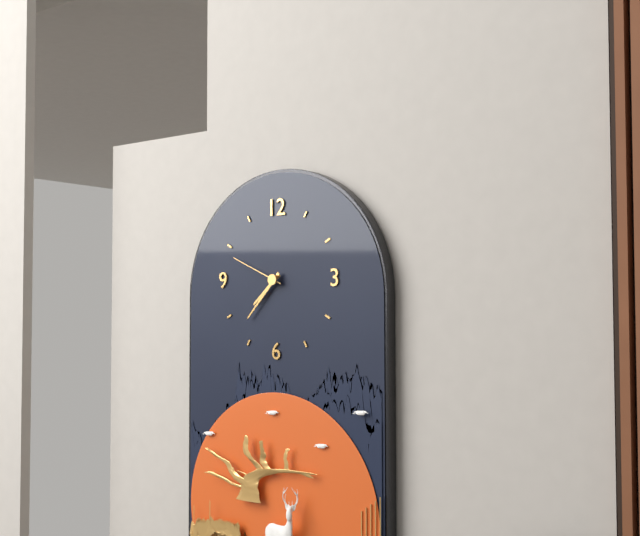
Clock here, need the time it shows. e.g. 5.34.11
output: 7.37.49
